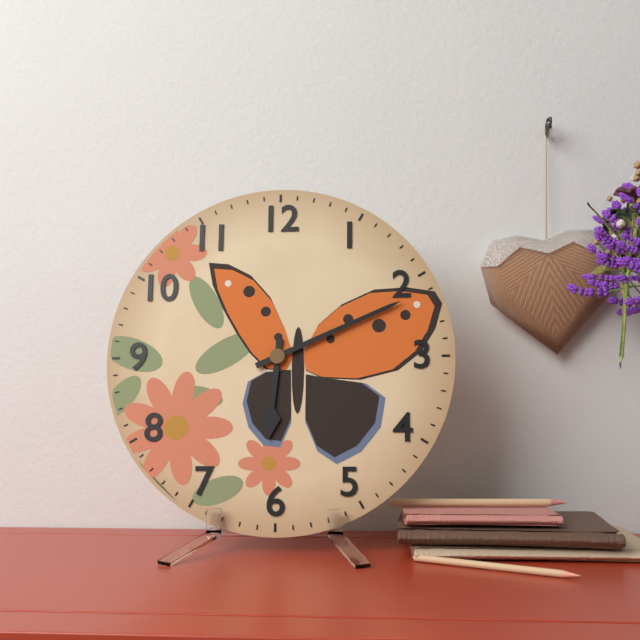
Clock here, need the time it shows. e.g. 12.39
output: 6.11
